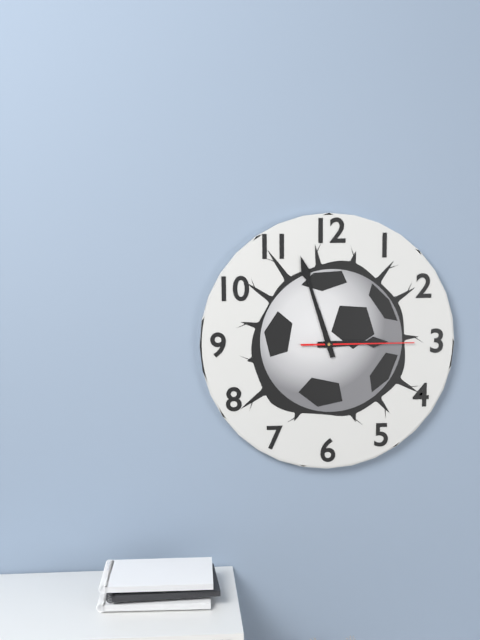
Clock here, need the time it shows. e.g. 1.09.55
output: 2.57.15
